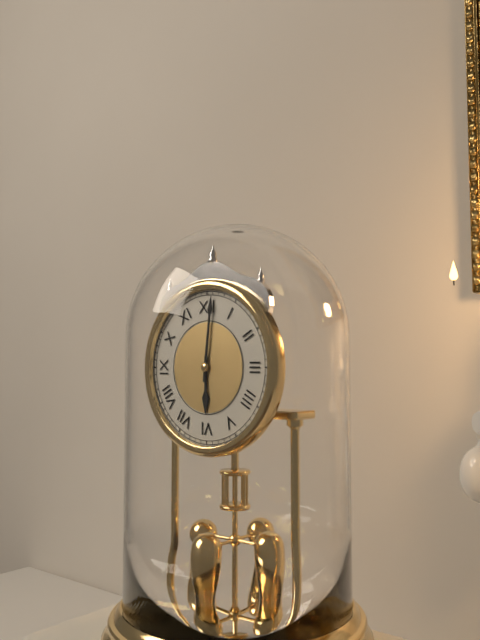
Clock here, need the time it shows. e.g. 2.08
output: 6.01
